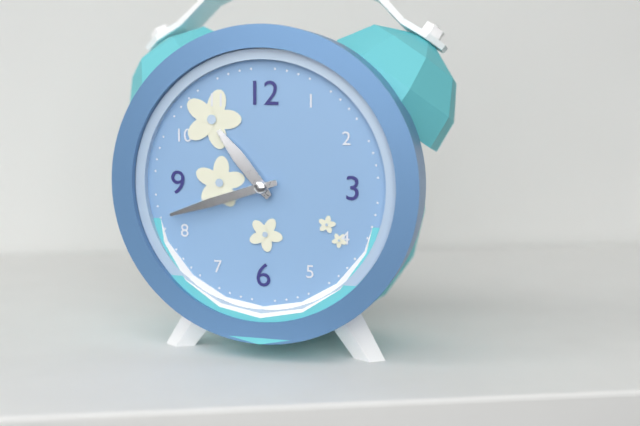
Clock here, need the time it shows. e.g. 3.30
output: 10.42
